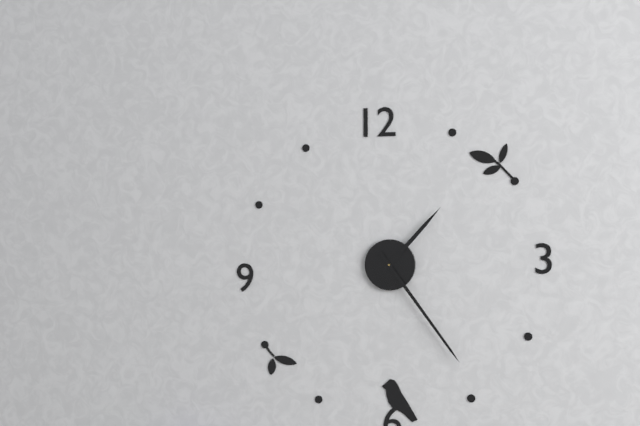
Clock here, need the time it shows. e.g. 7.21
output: 1.24
